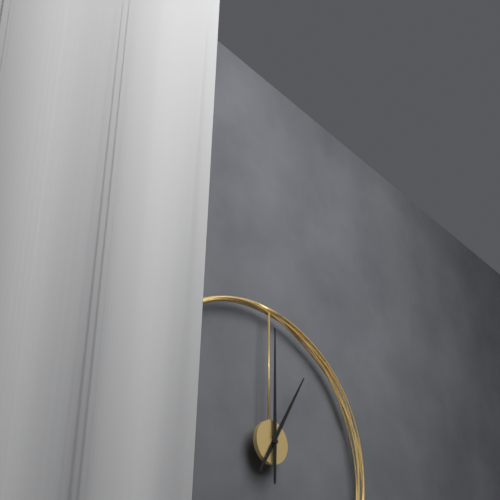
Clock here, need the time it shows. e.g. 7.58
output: 1.00
